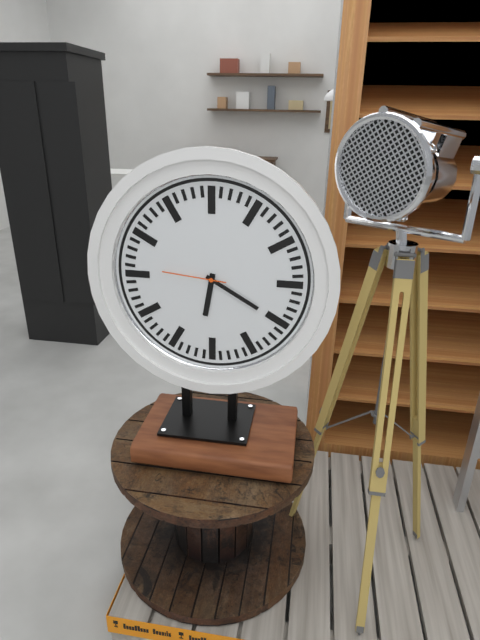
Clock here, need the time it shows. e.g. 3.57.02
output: 6.20.46
